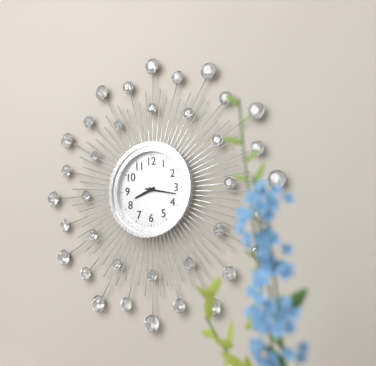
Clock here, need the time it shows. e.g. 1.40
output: 8.17
